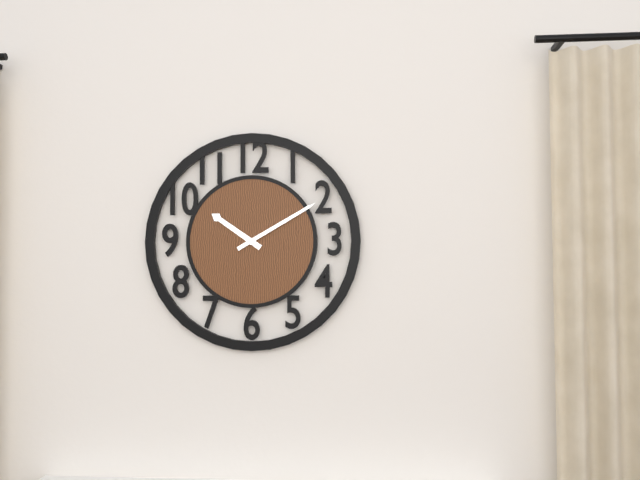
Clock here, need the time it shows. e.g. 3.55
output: 10.10
